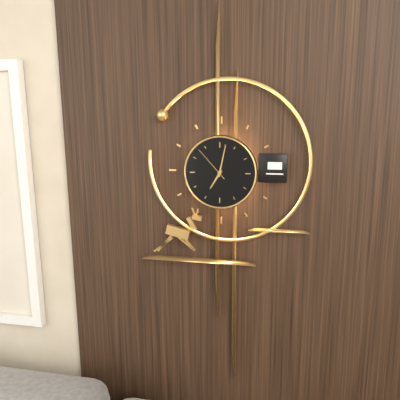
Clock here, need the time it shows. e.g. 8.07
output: 7.02
